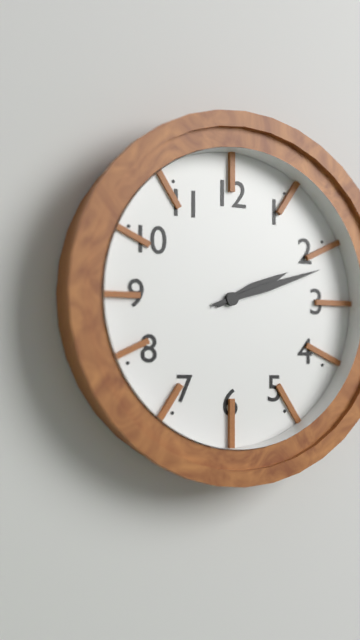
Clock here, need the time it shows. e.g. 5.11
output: 2.12
